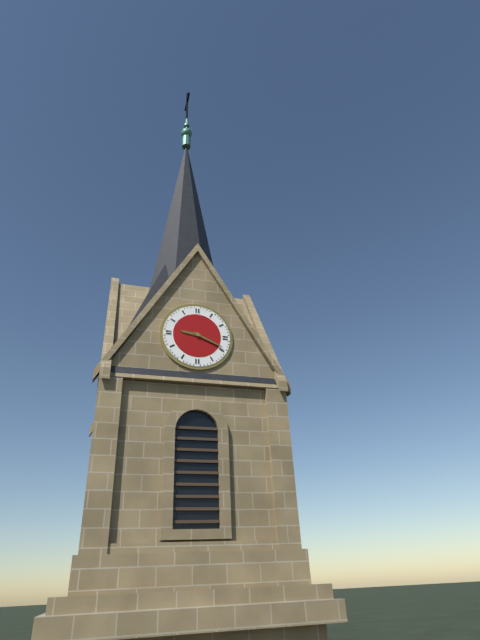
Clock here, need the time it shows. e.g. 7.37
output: 9.19
